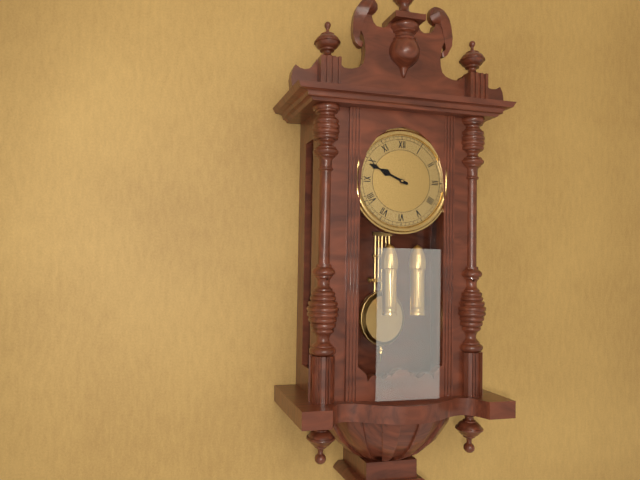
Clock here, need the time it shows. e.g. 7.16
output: 9.49
